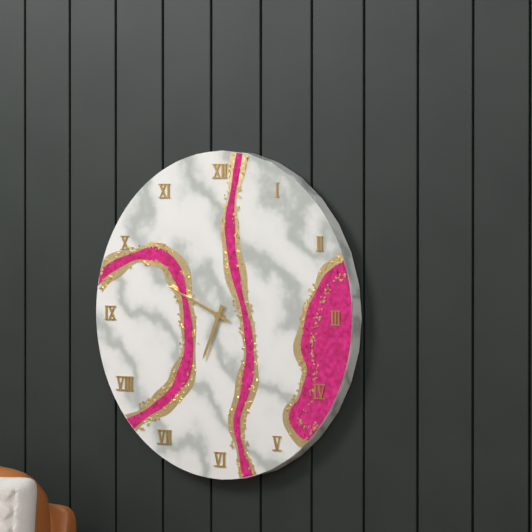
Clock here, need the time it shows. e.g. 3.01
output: 6.49
